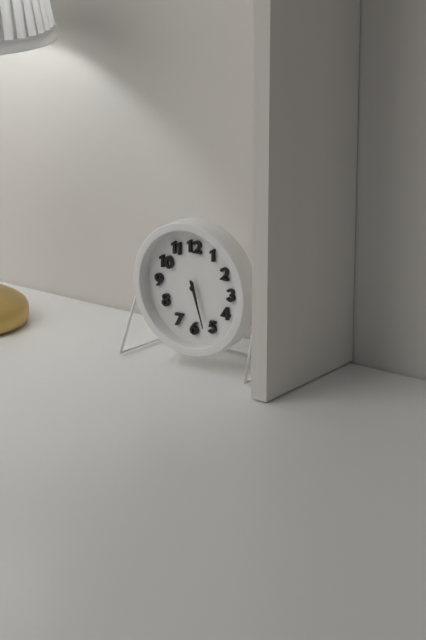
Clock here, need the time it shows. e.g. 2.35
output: 5.27
